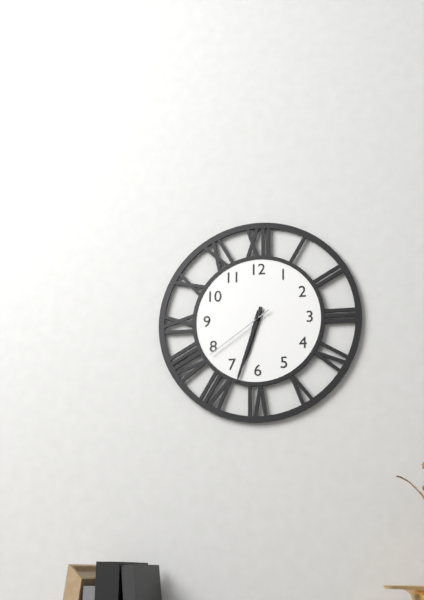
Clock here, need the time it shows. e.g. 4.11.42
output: 6.33.39
